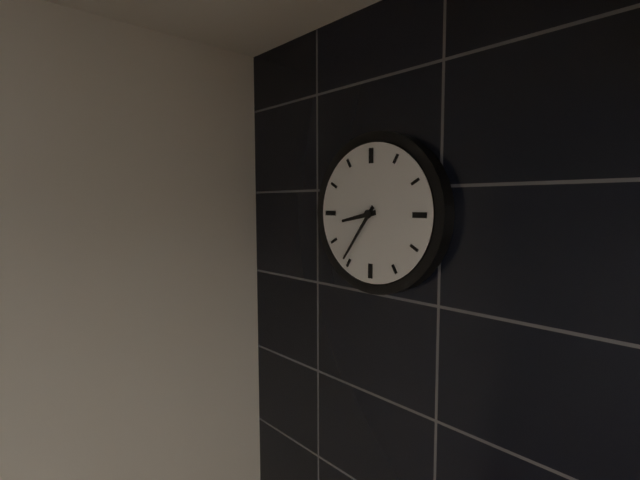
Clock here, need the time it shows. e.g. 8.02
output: 8.36
